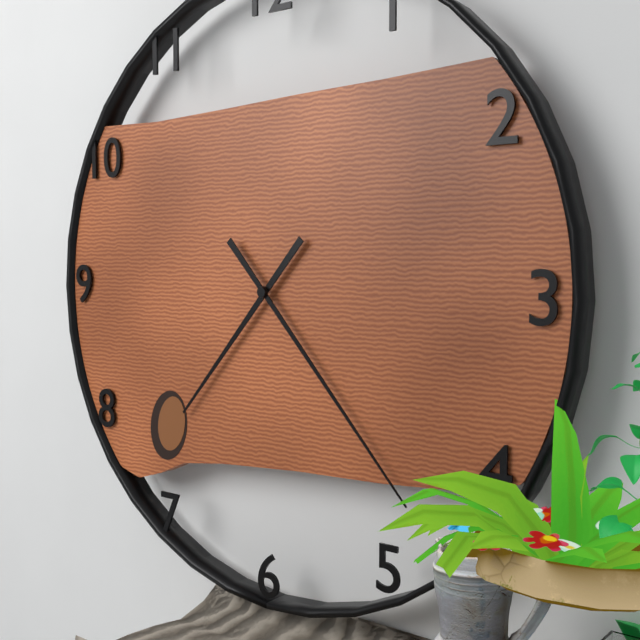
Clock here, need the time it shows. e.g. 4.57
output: 7.23
